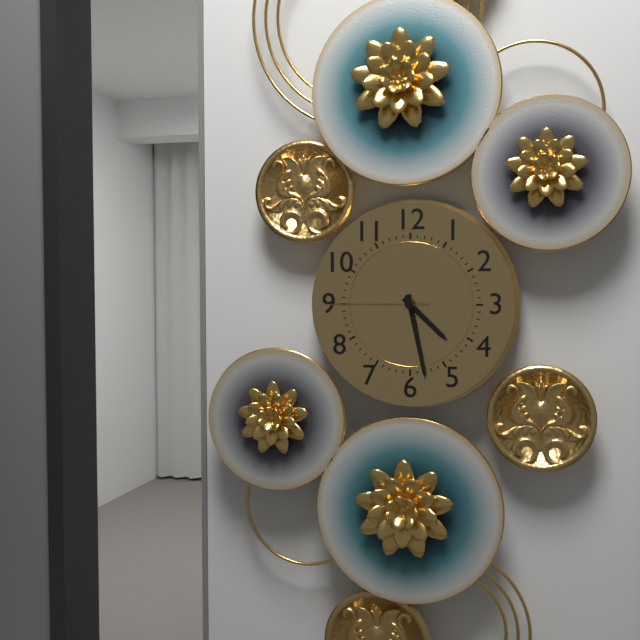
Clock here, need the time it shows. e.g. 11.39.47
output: 4.28.45
